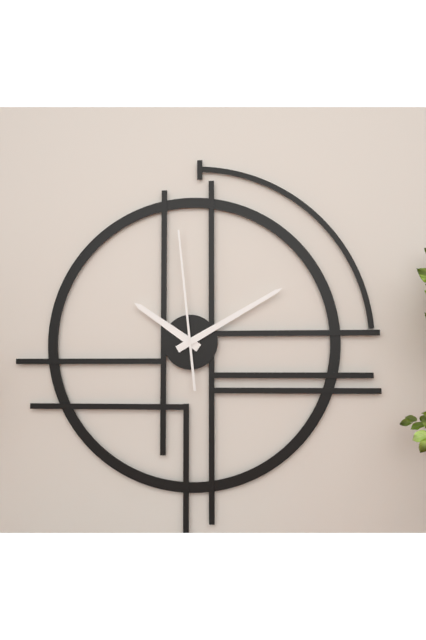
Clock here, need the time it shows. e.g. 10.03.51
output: 10.10.59
